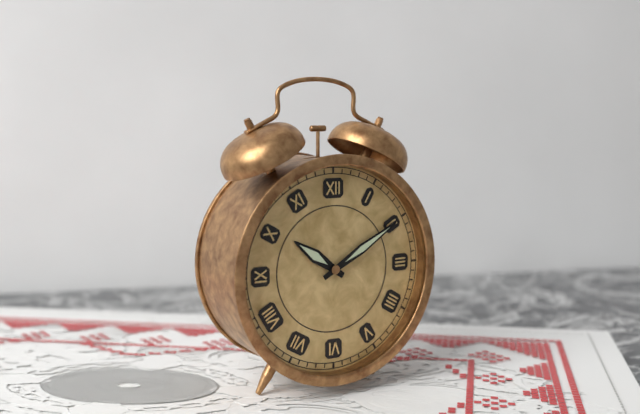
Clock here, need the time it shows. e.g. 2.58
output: 10.10
